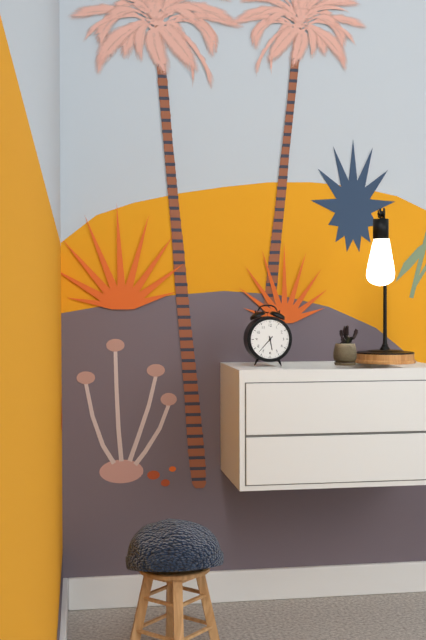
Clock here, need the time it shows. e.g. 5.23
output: 5.37
